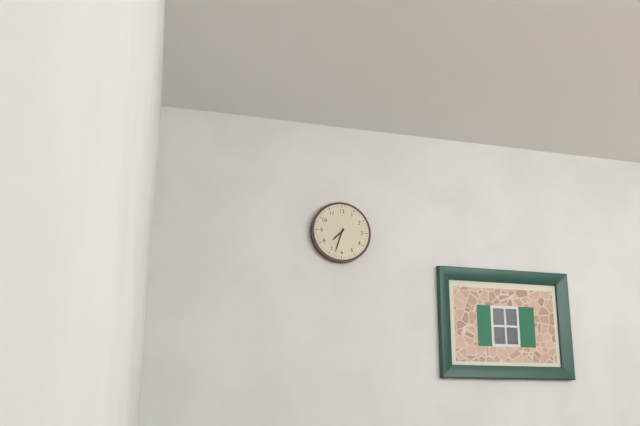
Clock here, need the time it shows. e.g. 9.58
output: 7.33
